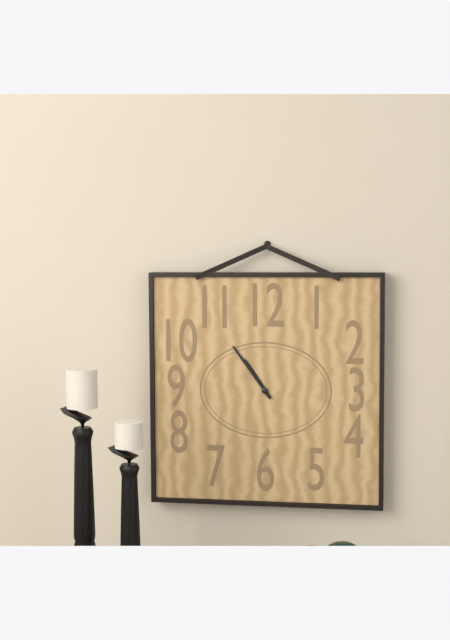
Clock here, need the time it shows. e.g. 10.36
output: 10.54
